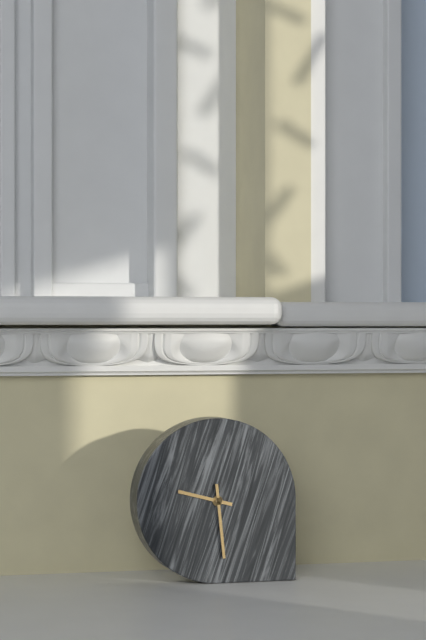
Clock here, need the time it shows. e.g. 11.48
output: 9.29
